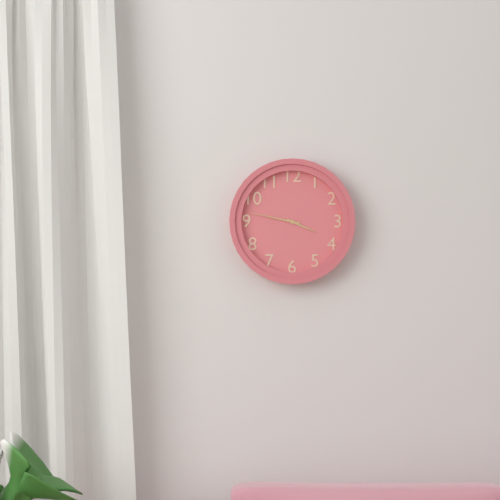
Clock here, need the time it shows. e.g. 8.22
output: 3.47
